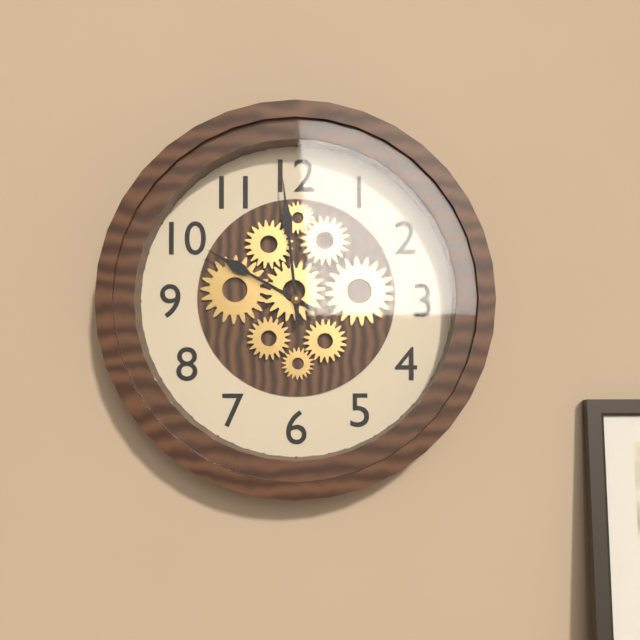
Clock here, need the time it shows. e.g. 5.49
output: 9.59
